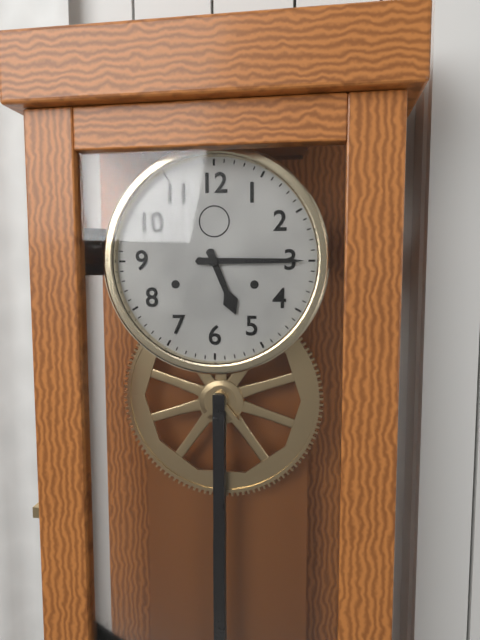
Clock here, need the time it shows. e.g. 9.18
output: 5.15
